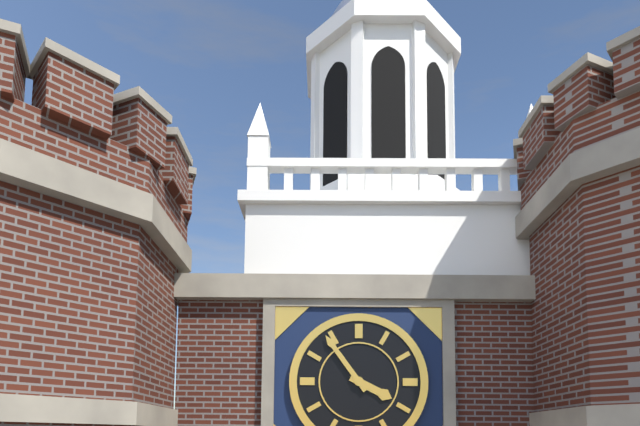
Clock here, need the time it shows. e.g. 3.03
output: 3.54
